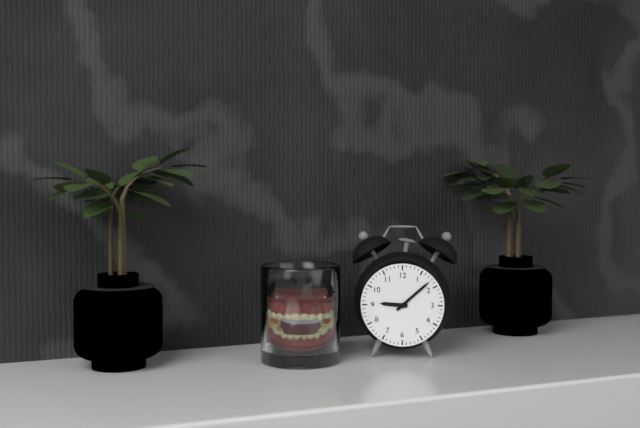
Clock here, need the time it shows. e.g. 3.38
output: 9.08
